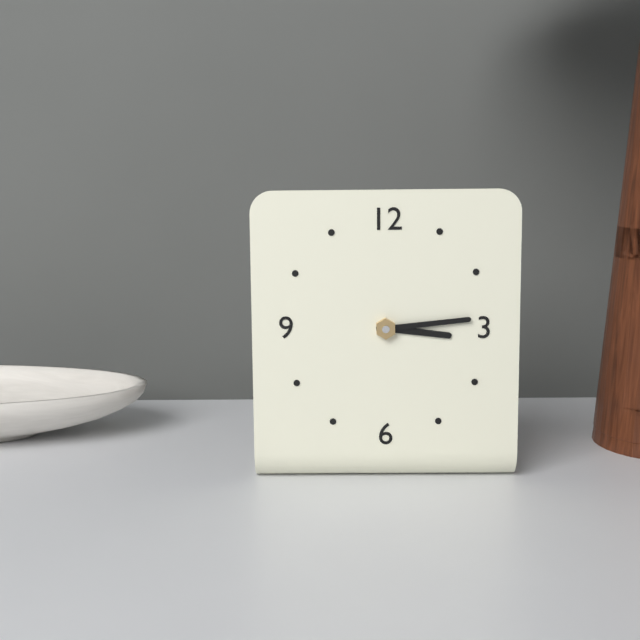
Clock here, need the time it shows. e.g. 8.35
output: 3.14
